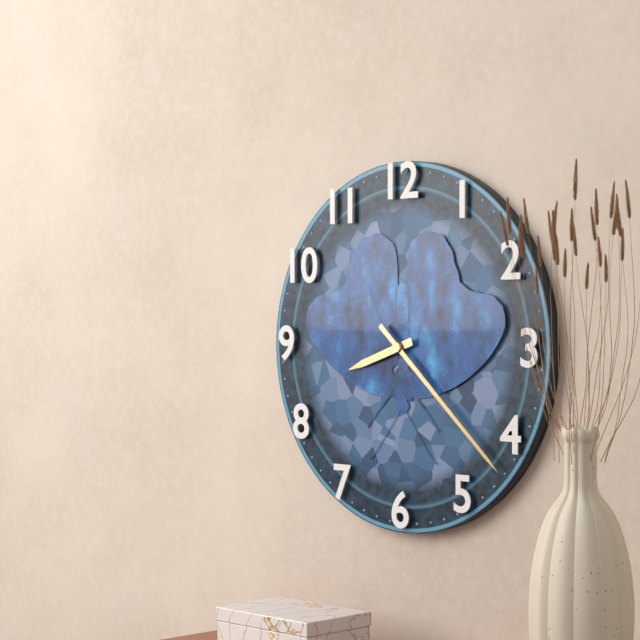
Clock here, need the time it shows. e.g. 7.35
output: 8.22
